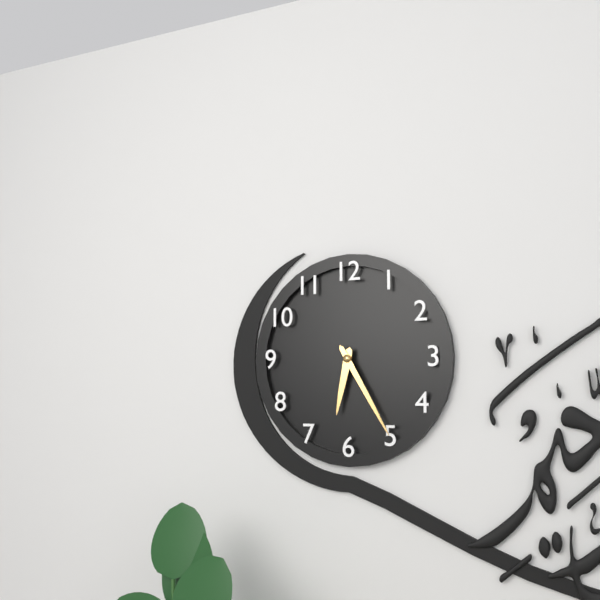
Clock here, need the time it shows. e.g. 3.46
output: 6.25
